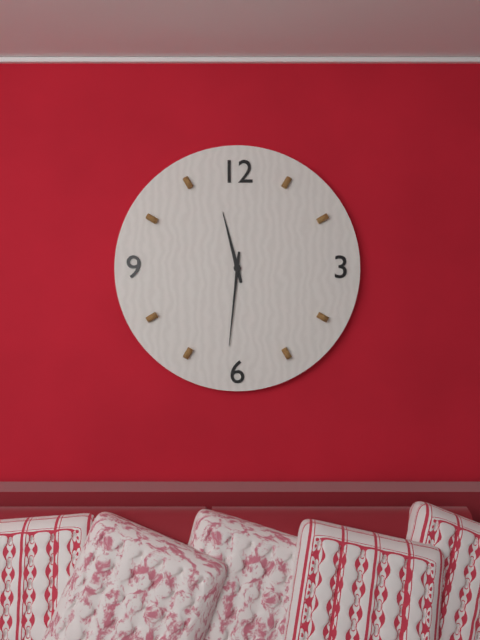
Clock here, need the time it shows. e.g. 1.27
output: 11.31
